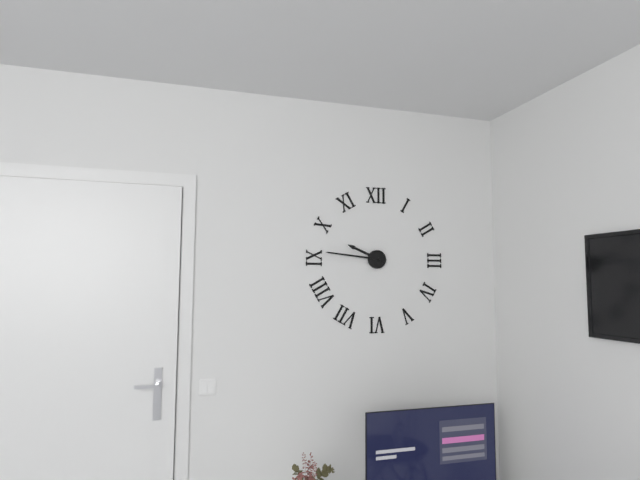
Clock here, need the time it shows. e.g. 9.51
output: 9.46
